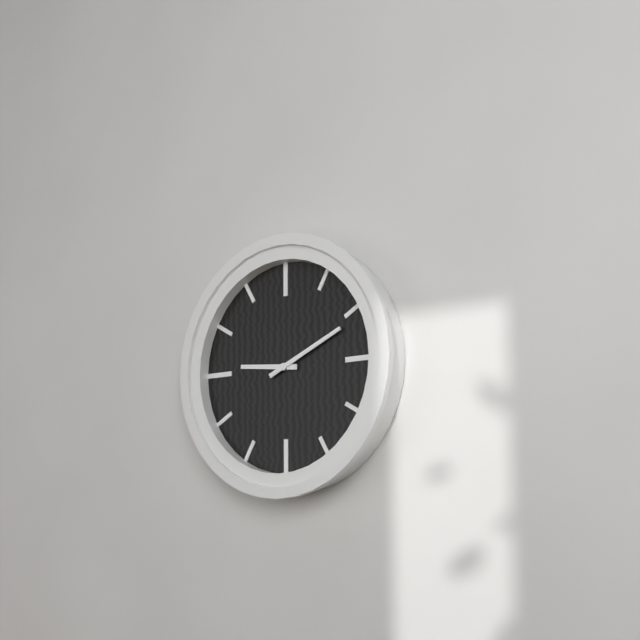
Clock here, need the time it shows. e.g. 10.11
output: 9.11
